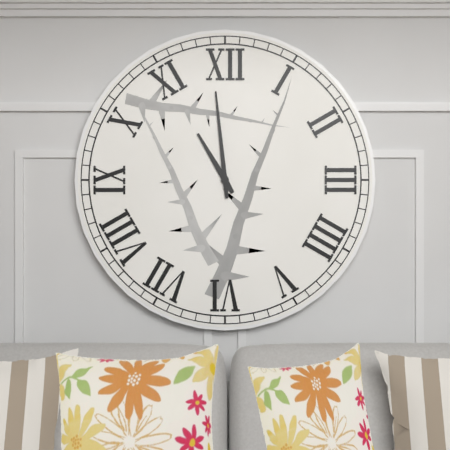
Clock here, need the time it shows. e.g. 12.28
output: 10.59
